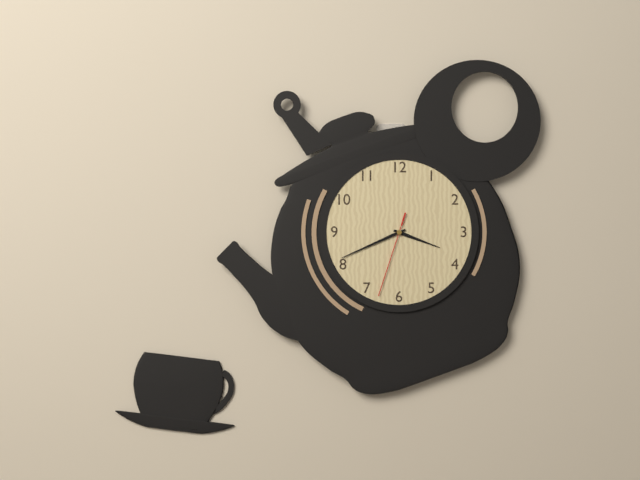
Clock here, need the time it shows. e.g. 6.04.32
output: 3.41.33
